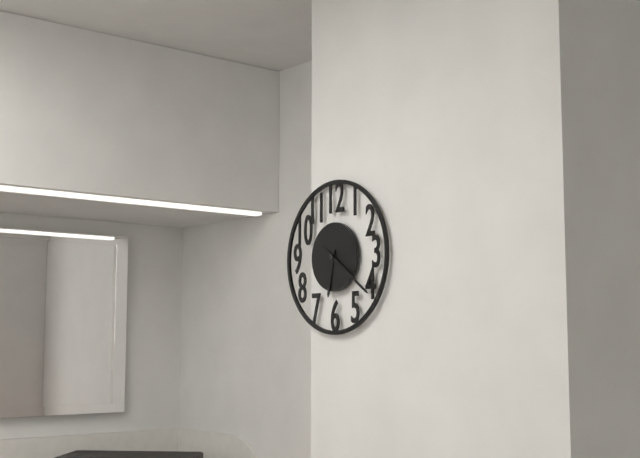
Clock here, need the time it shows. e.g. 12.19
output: 6.21
